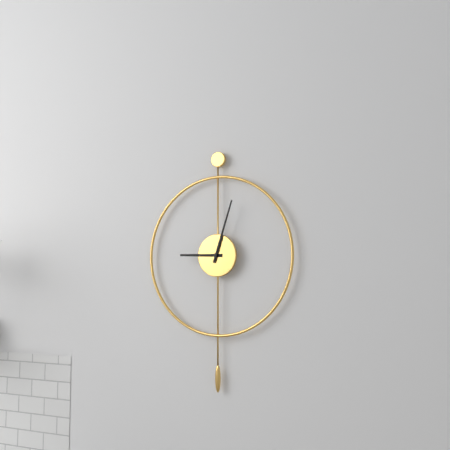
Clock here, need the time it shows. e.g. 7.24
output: 9.03
